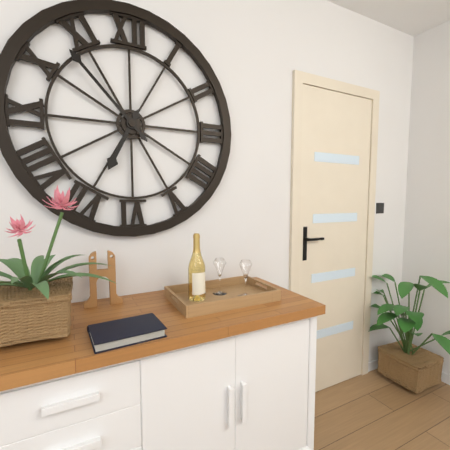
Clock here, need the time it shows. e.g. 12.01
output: 6.53
